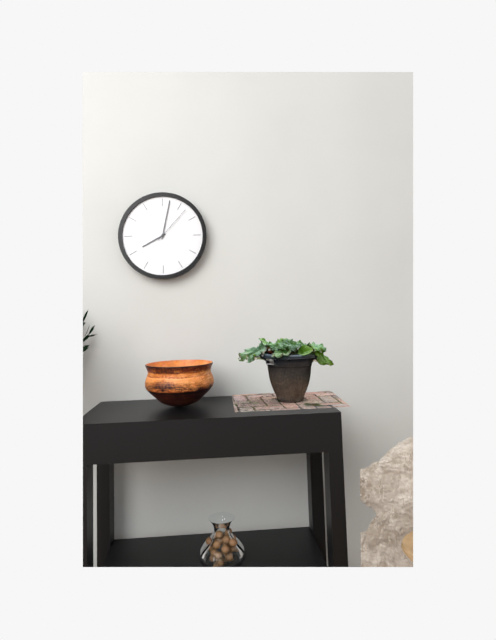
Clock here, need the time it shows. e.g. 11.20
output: 8.02
